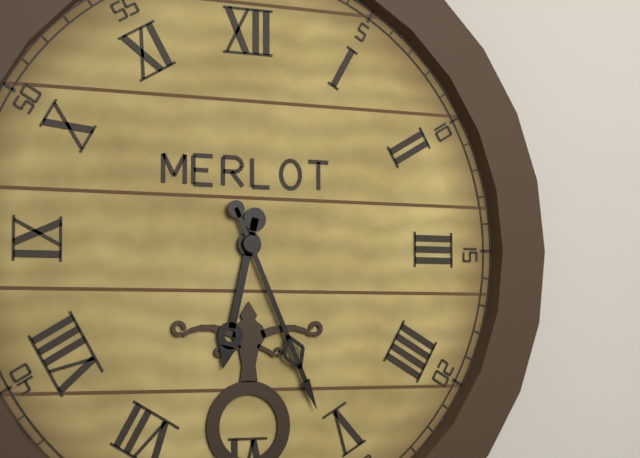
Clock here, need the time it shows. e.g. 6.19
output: 6.26
